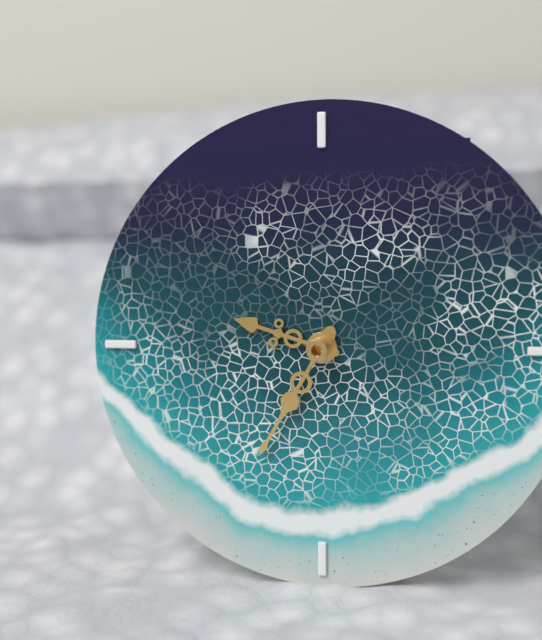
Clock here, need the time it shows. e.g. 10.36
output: 9.35
